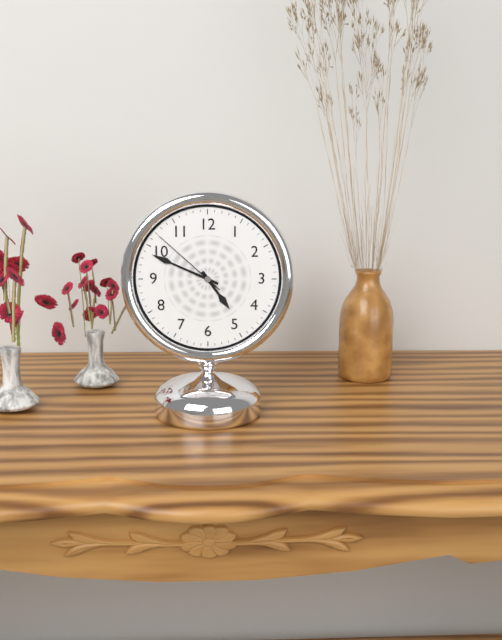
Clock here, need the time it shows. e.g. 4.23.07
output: 4.49.52
